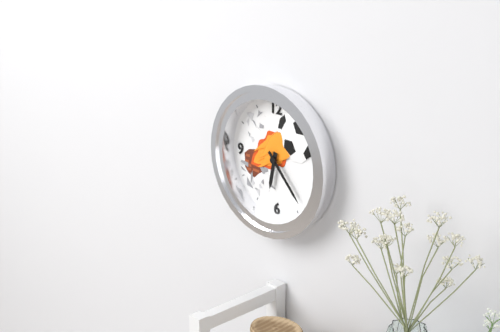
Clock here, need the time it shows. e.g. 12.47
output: 6.23
